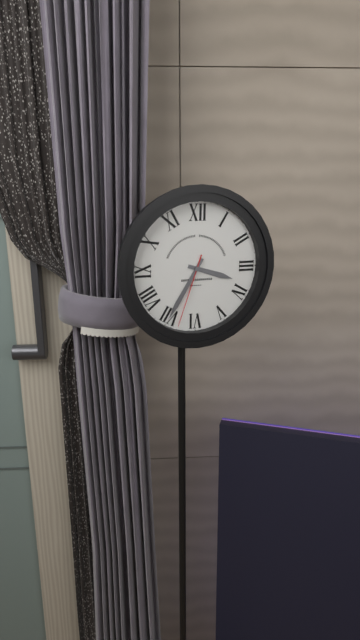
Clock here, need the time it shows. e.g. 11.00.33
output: 3.35.33
